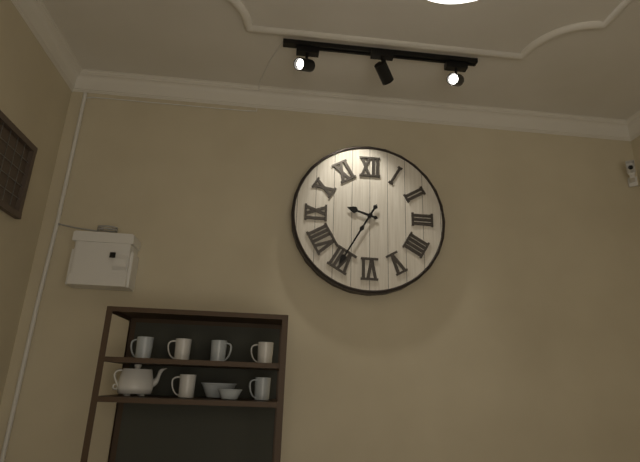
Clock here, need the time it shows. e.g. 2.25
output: 9.35
